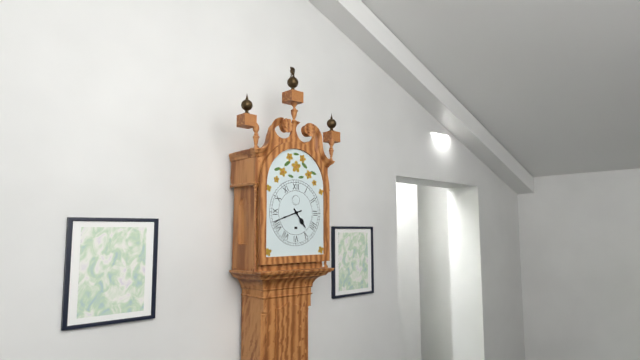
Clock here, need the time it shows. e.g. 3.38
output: 4.42
